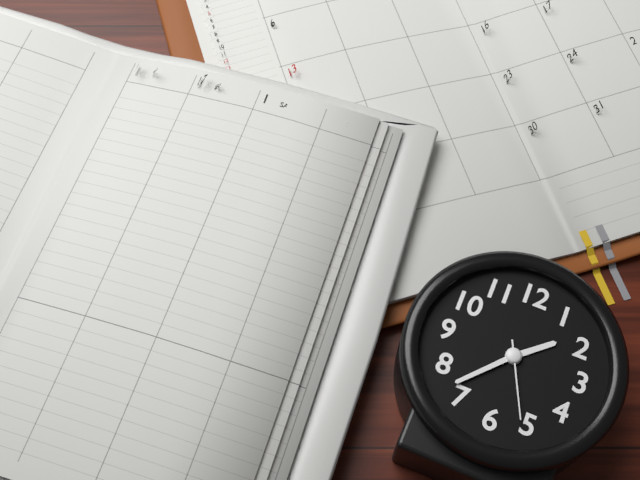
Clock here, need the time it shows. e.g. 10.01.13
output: 1.37.26
